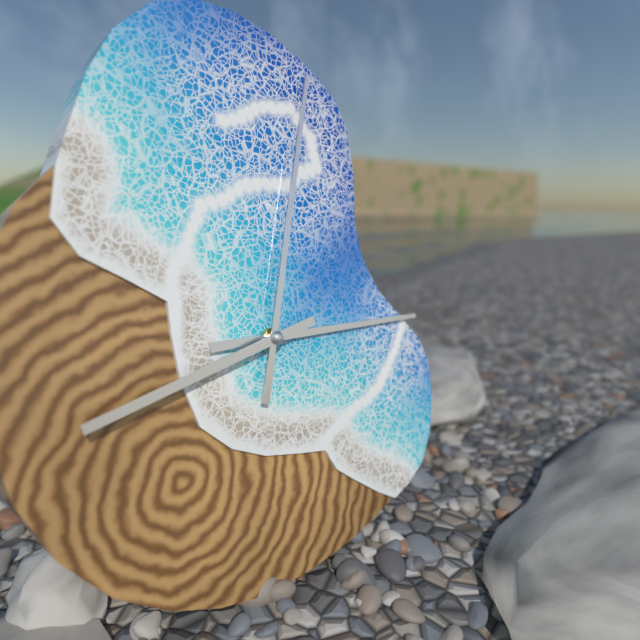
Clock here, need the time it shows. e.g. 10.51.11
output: 3.03.43
